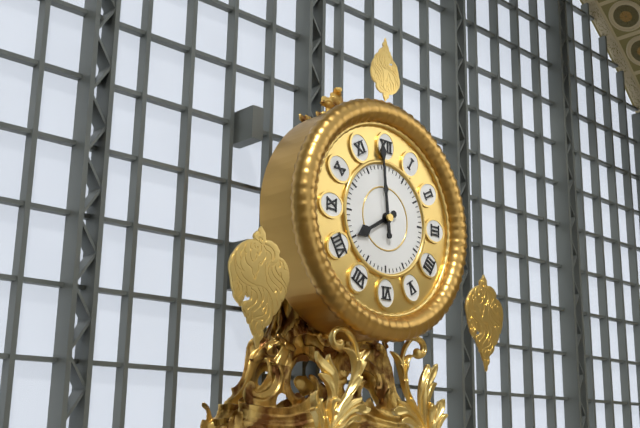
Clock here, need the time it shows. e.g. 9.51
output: 7.59
